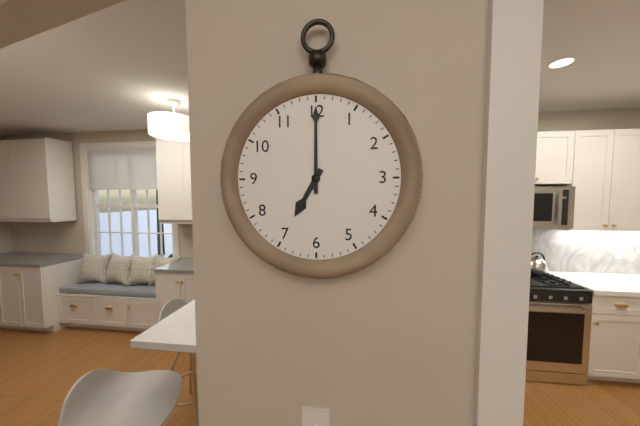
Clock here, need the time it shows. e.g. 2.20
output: 7.00
